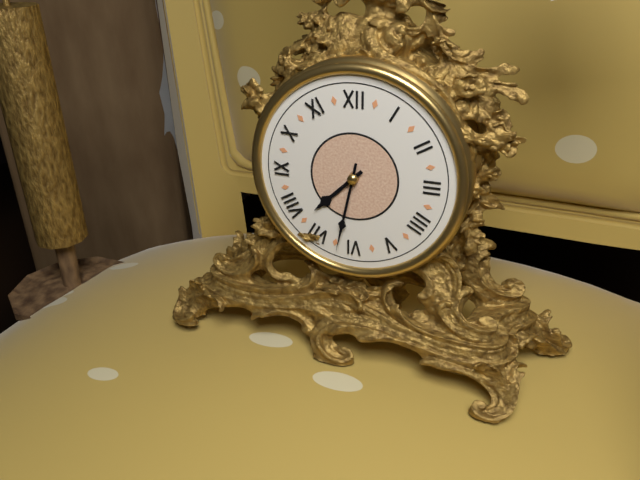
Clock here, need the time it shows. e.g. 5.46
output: 7.32
